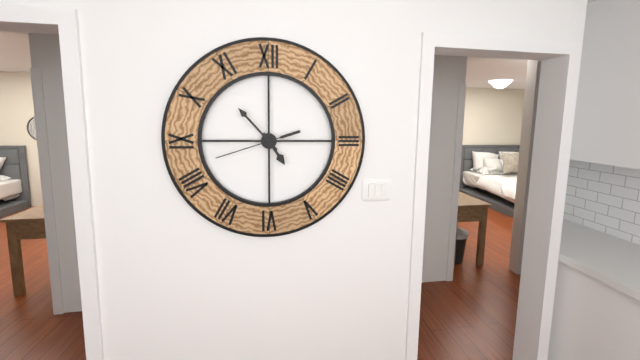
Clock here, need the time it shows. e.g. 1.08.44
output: 4.53.42
